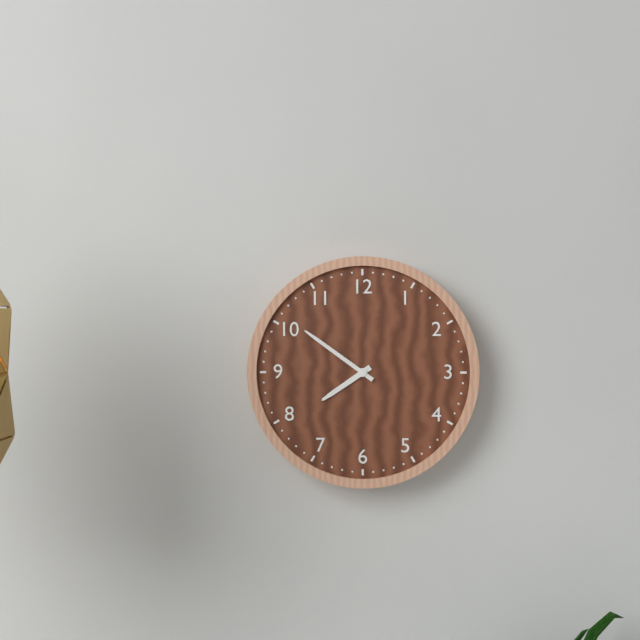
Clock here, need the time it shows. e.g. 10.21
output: 7.51
